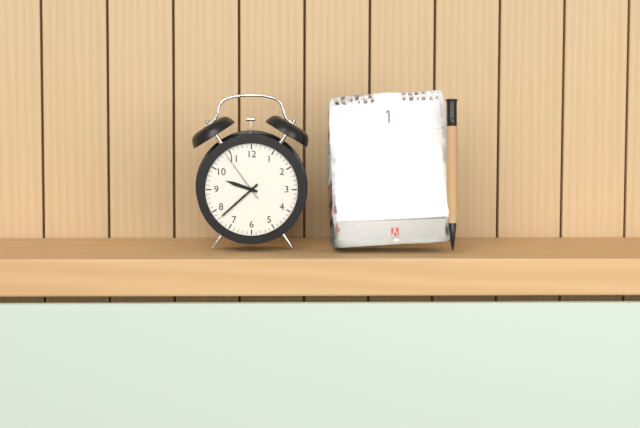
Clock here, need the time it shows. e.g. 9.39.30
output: 9.38.54
